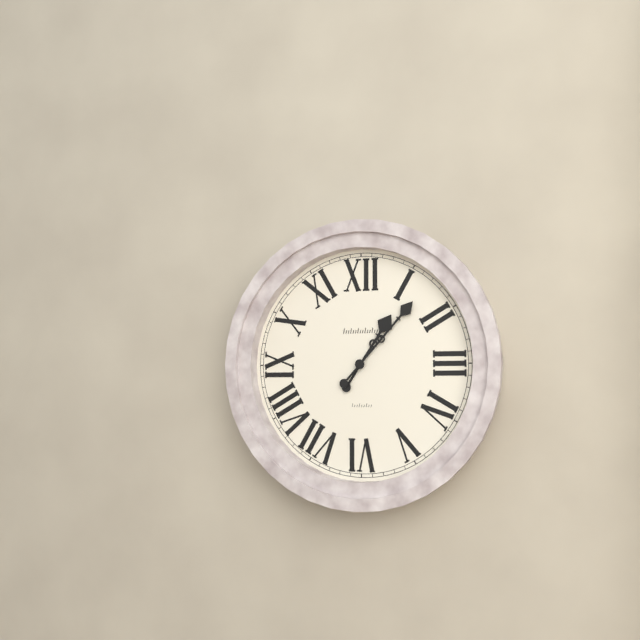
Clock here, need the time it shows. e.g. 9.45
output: 1.07
